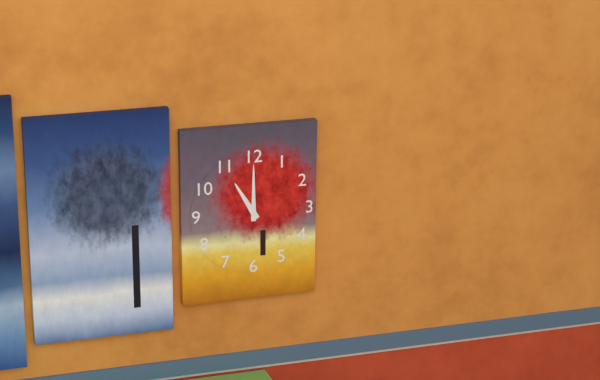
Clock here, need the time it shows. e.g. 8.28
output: 11.00
